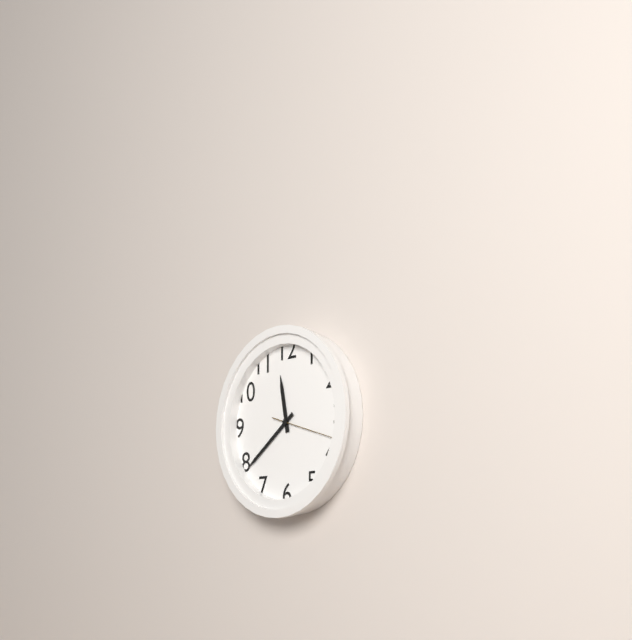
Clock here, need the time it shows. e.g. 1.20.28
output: 11.39.18
